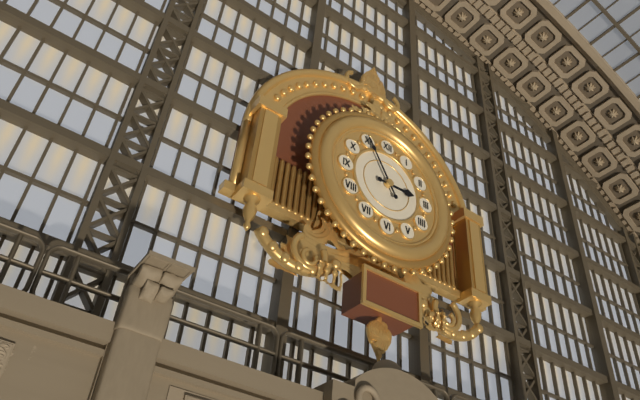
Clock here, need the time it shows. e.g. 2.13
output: 2.55
